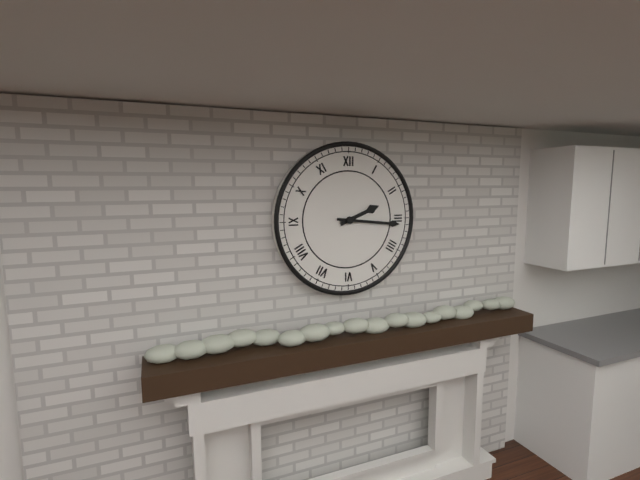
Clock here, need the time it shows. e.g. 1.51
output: 2.16
